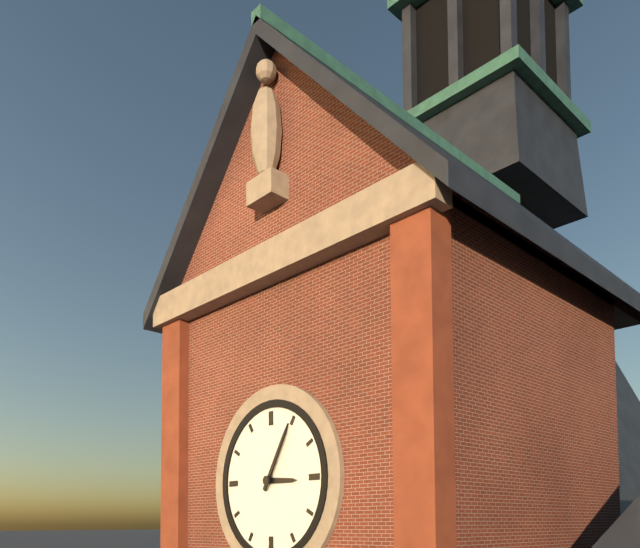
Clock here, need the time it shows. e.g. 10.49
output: 3.05
